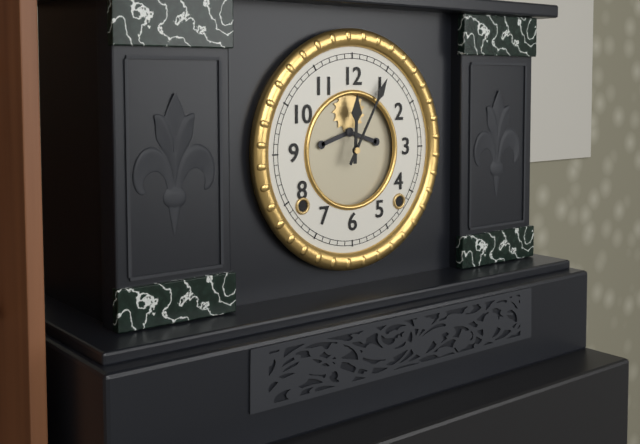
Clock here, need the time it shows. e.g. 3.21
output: 12.05
